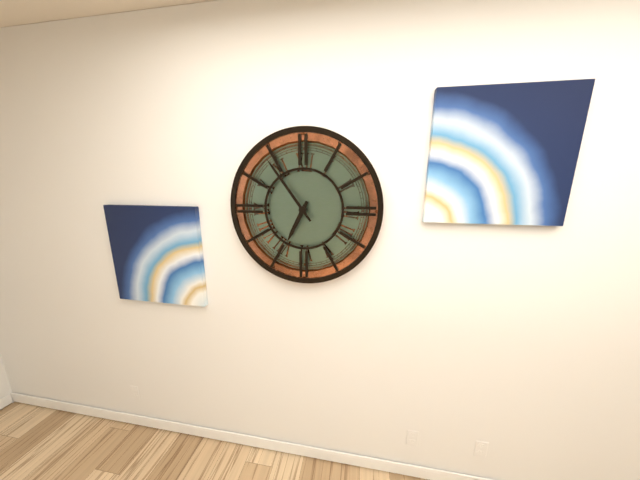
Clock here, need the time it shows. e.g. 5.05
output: 6.54
